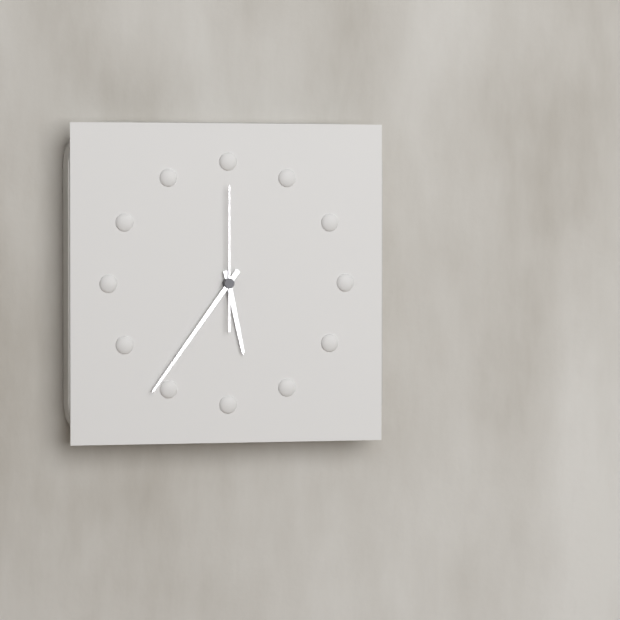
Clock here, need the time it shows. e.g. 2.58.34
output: 5.36.00
